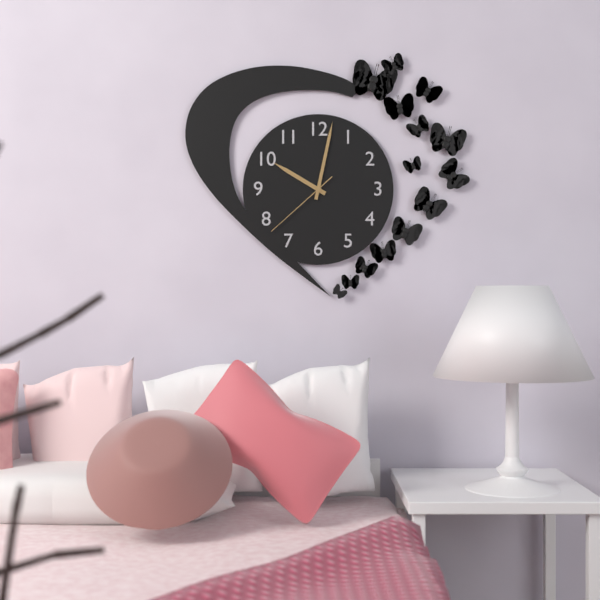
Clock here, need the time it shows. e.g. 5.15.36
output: 10.02.38
